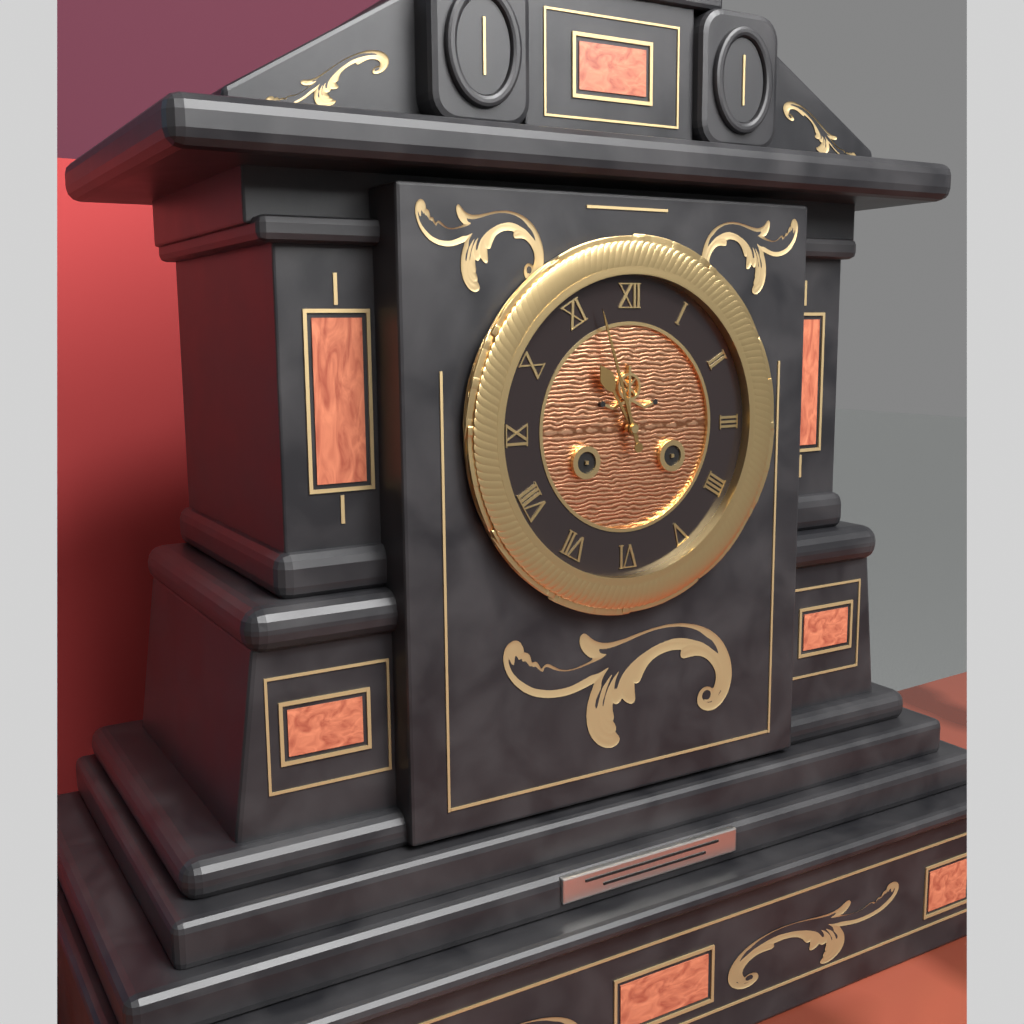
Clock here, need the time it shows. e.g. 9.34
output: 10.57
